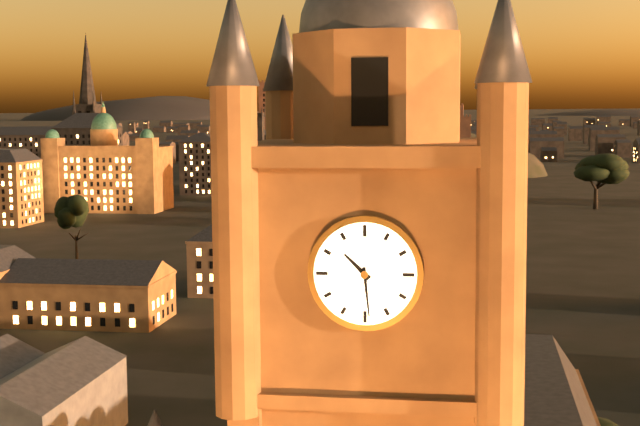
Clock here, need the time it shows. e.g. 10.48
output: 10.29
